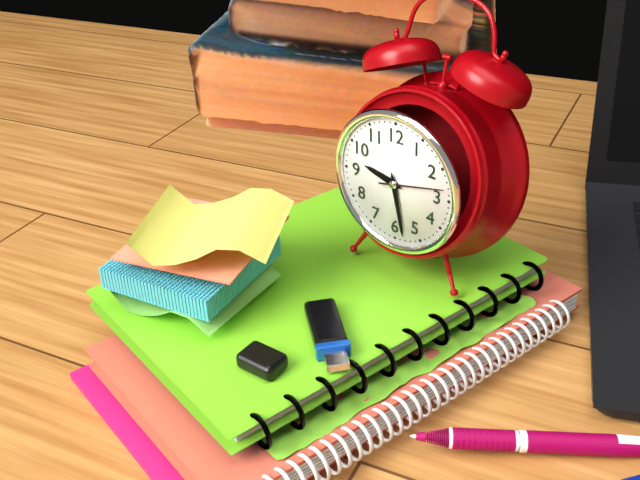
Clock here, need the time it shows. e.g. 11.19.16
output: 9.28.13
